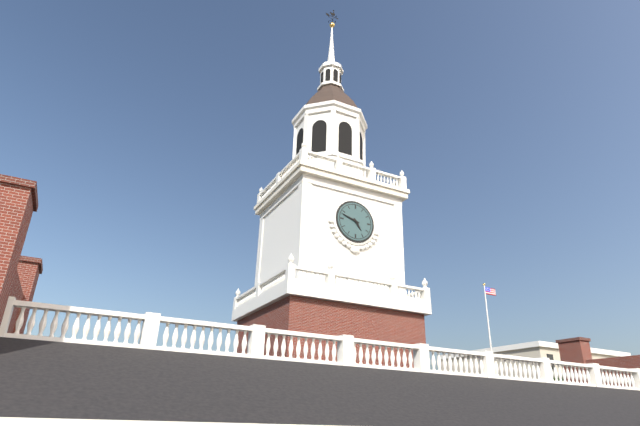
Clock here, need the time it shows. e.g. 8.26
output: 4.48
